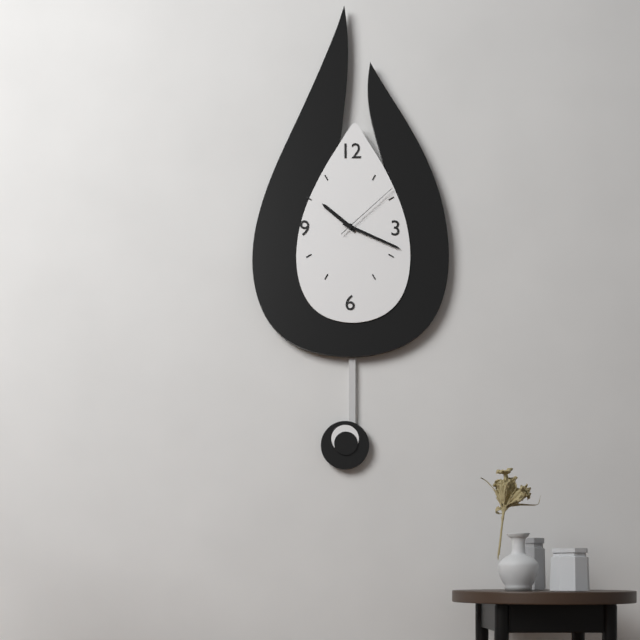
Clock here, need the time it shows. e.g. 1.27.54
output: 10.19.08
